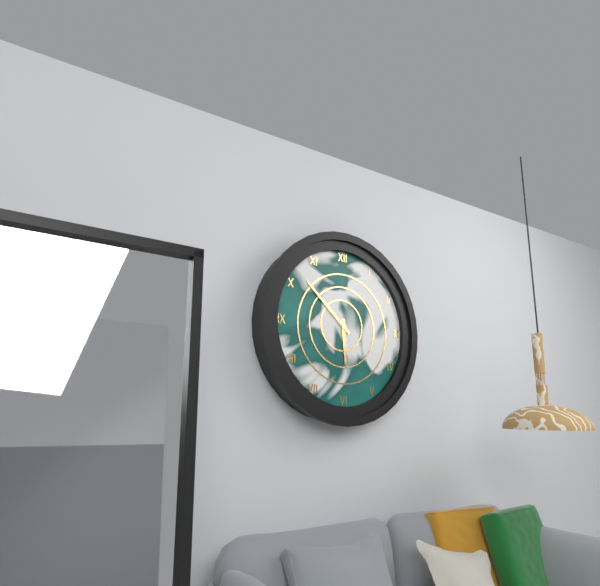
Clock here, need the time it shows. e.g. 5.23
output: 5.52
